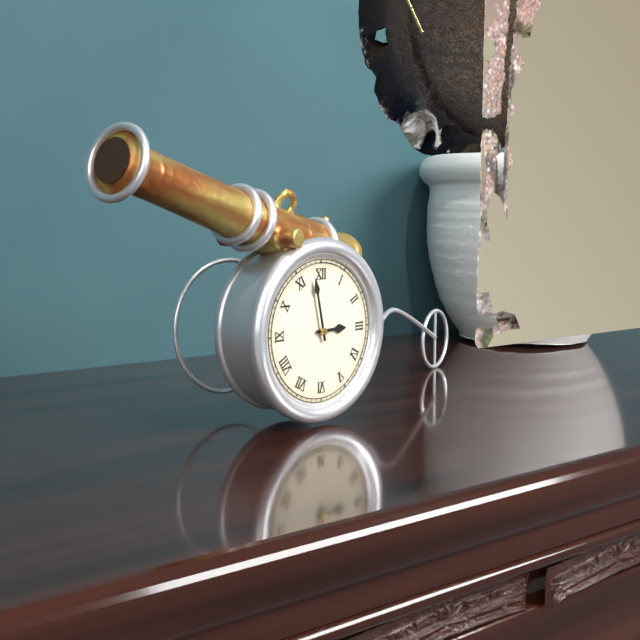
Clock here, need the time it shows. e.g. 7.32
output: 2.58
